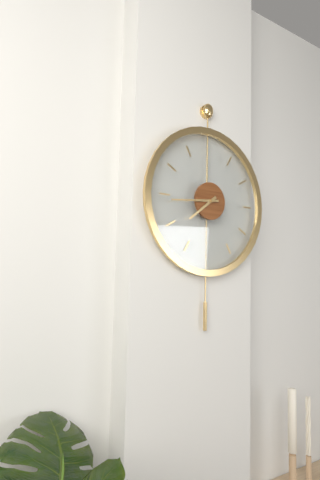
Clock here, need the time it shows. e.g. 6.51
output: 7.44
